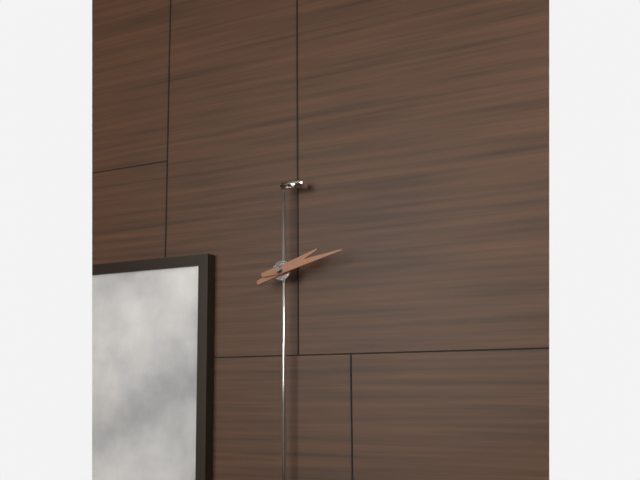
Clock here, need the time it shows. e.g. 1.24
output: 2.13
